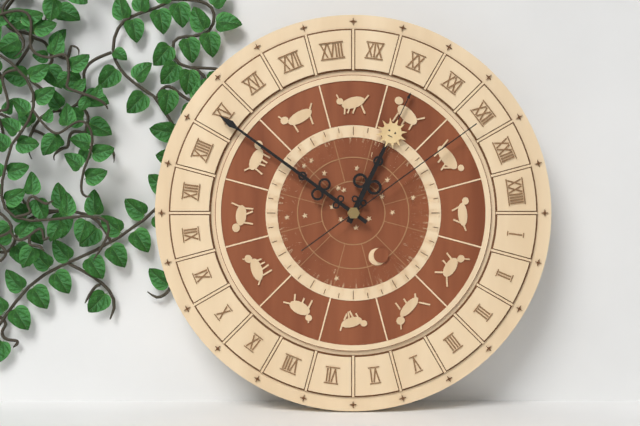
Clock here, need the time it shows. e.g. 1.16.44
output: 12.51.09
